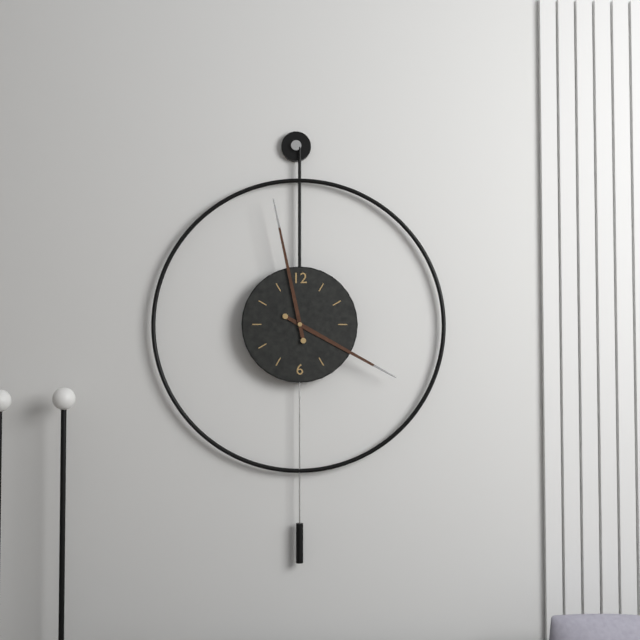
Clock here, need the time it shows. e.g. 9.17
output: 3.58
